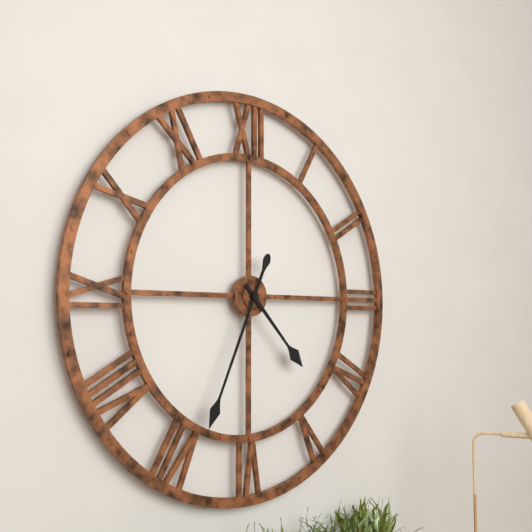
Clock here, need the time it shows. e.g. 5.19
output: 4.34
